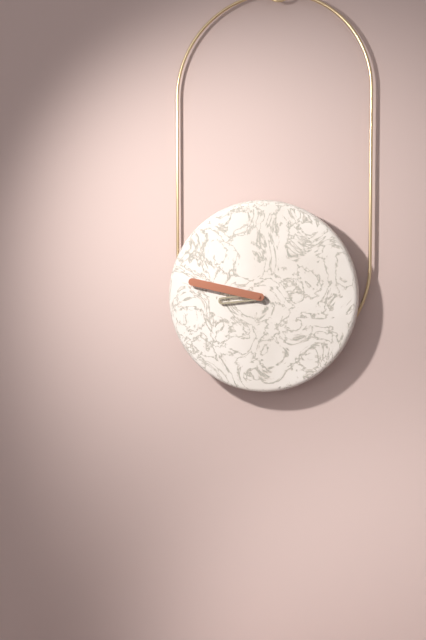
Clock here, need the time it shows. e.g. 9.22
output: 8.47
